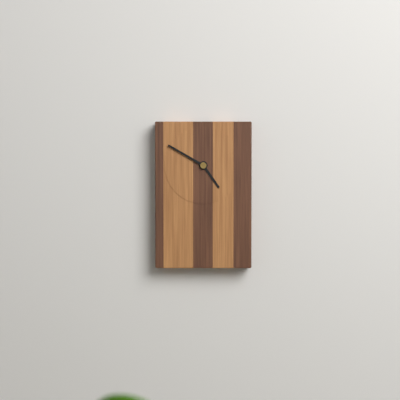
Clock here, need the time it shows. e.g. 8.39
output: 4.50
